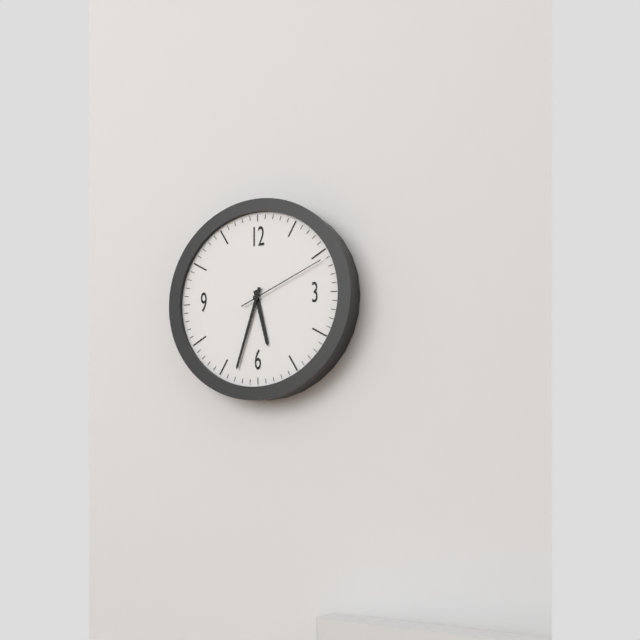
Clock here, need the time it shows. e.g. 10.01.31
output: 5.33.11
